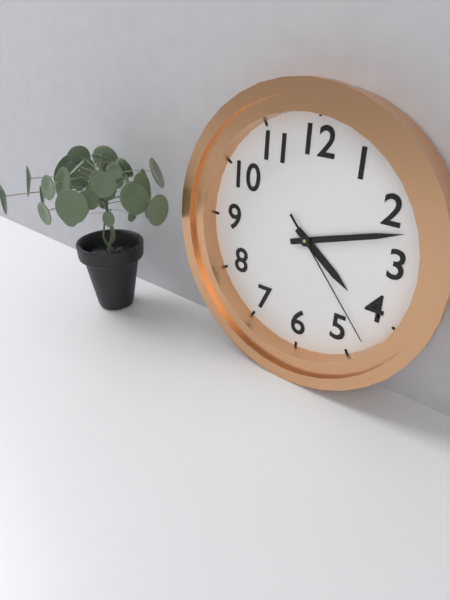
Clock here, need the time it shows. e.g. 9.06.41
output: 4.12.23
